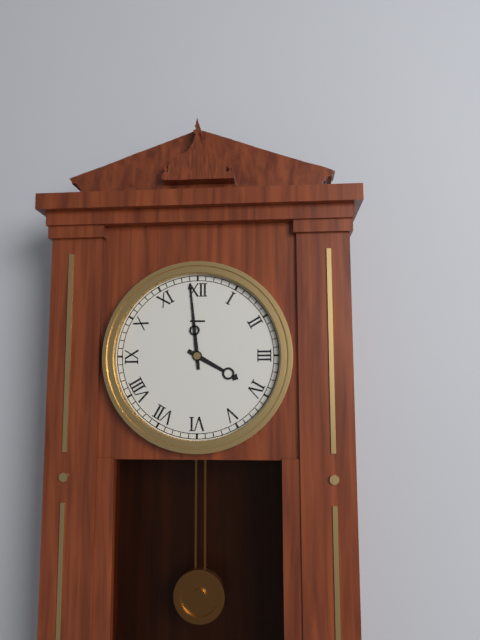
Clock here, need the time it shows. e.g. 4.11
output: 3.59
